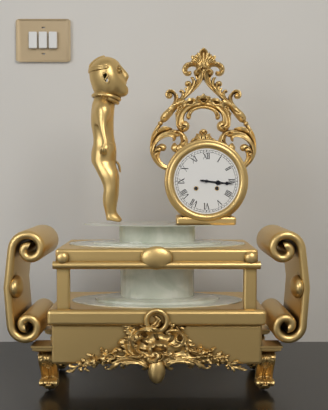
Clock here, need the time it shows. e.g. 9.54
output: 3.16
